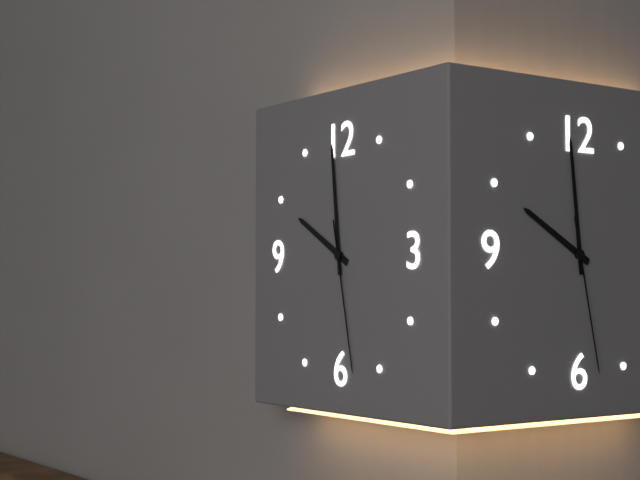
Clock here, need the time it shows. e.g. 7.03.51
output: 9.59.28
